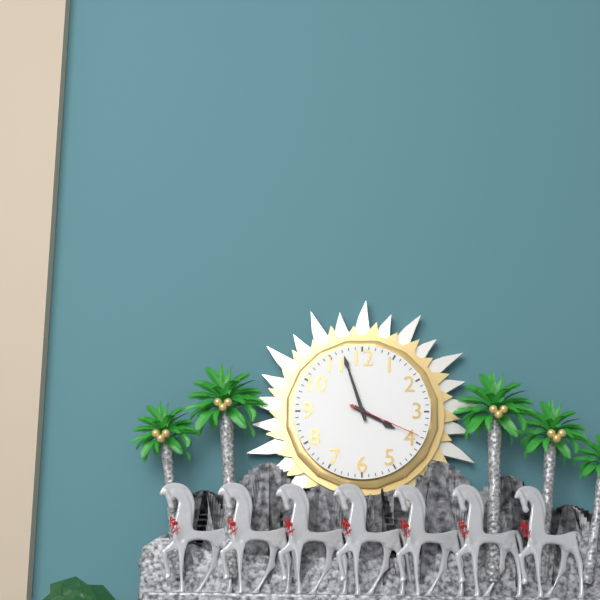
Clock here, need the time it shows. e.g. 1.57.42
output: 3.57.19
